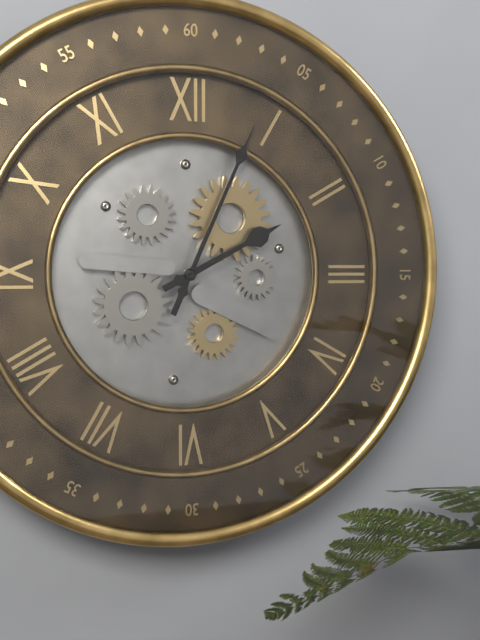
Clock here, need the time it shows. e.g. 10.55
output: 2.04
